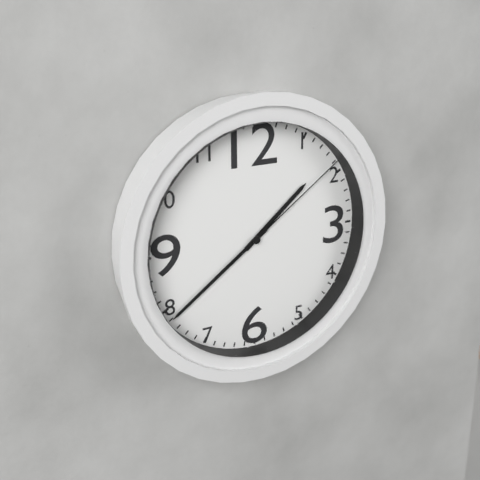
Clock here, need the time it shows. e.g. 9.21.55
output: 1.39.09
